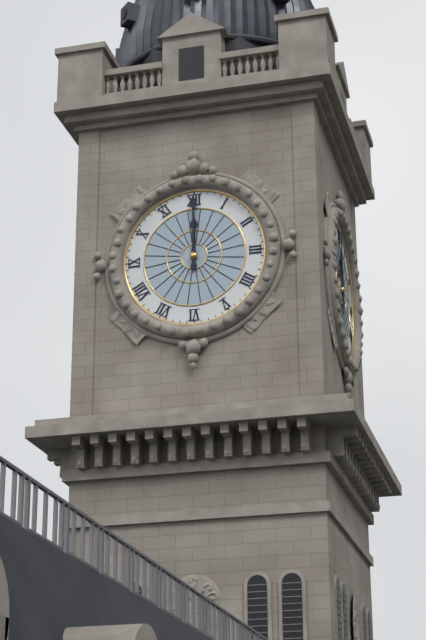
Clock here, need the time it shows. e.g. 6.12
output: 12.00
